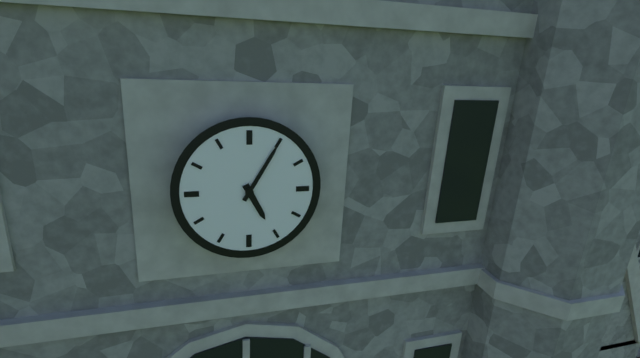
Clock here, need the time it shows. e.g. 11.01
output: 5.05
